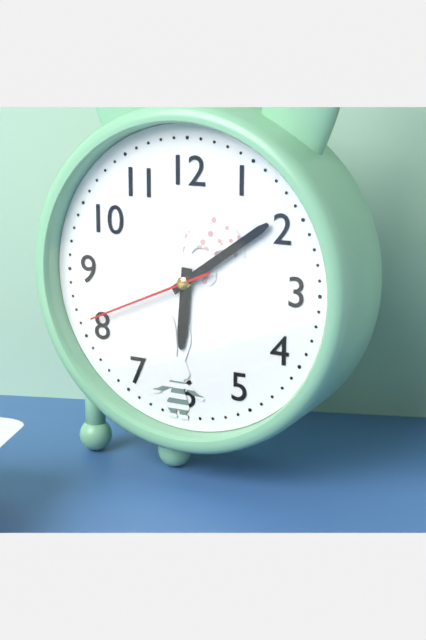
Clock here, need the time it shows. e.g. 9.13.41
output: 6.09.41
